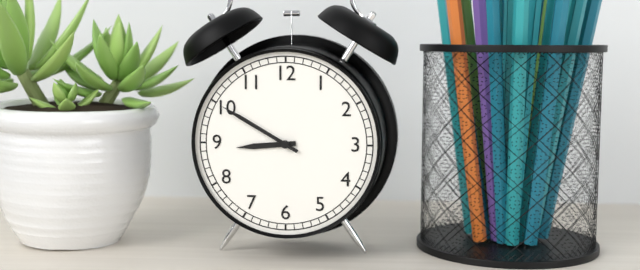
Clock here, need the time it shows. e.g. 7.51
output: 8.50
